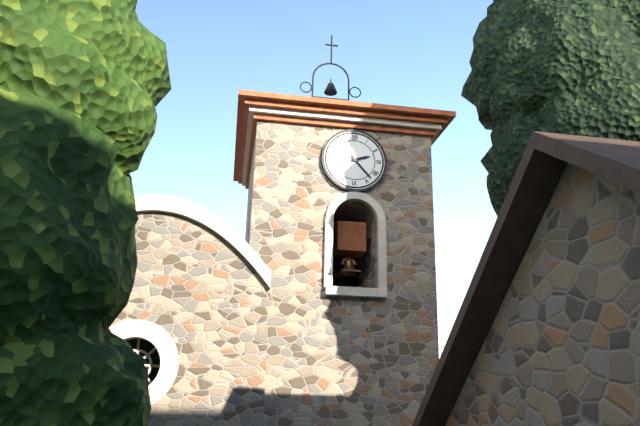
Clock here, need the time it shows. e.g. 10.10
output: 2.23
